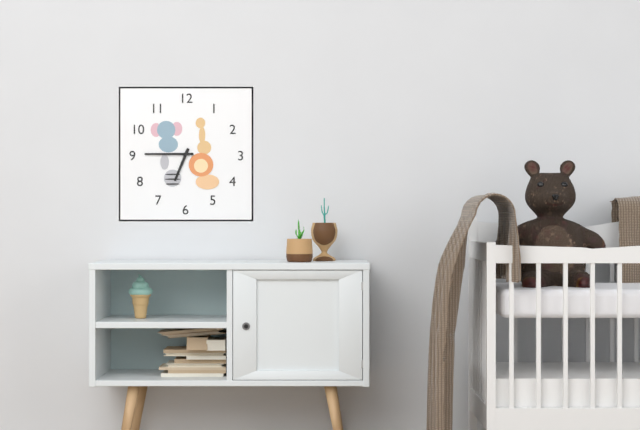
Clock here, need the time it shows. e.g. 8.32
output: 6.45
